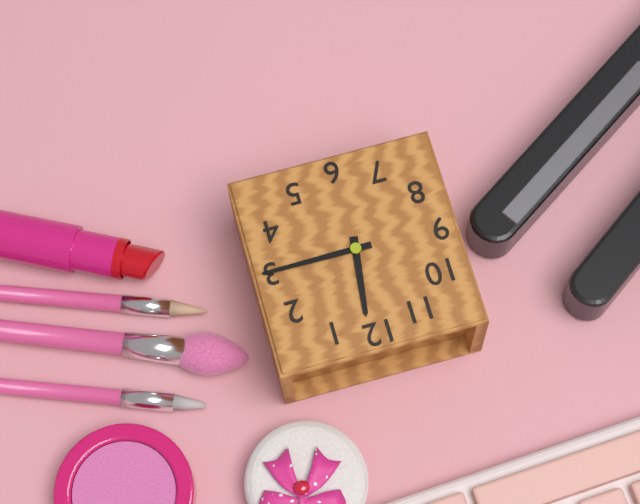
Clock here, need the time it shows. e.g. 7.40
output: 12.15
